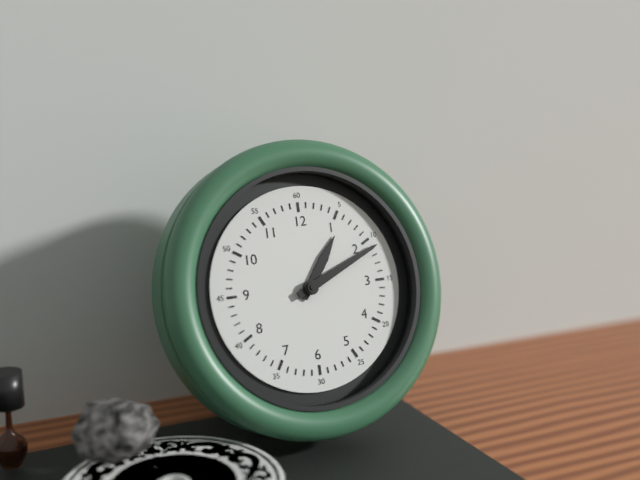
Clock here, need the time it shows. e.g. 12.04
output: 1.11
